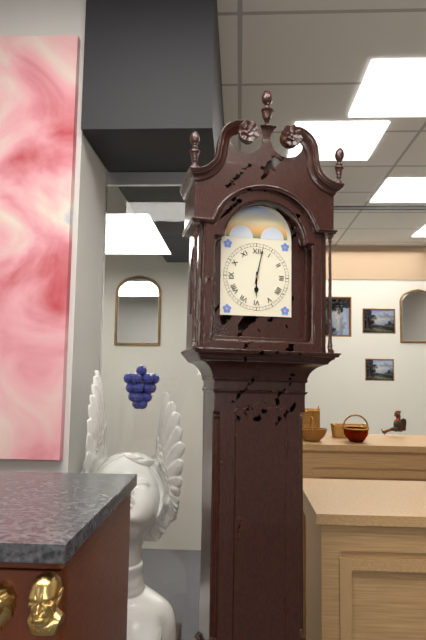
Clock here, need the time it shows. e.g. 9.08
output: 6.02
